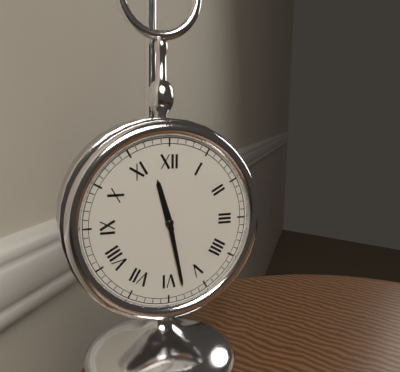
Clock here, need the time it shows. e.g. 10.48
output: 11.28
